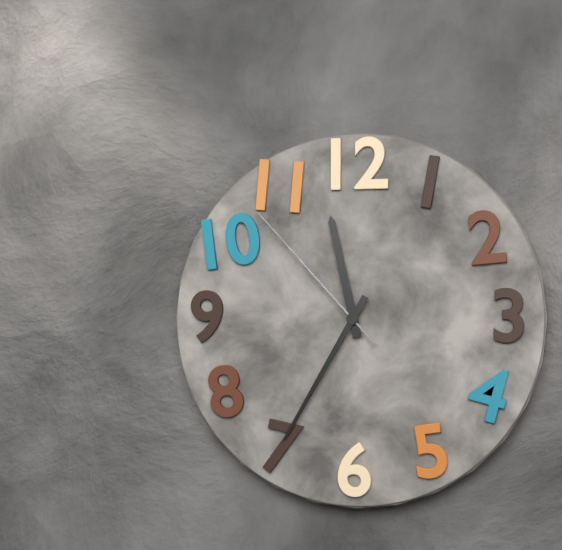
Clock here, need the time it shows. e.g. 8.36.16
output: 11.35.53
